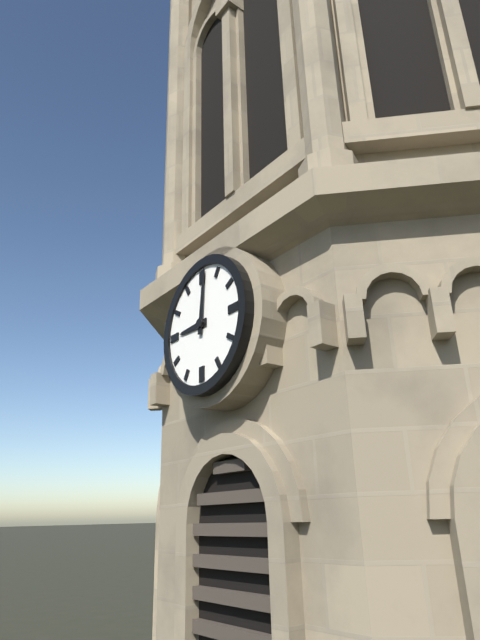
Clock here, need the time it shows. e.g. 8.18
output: 9.01
